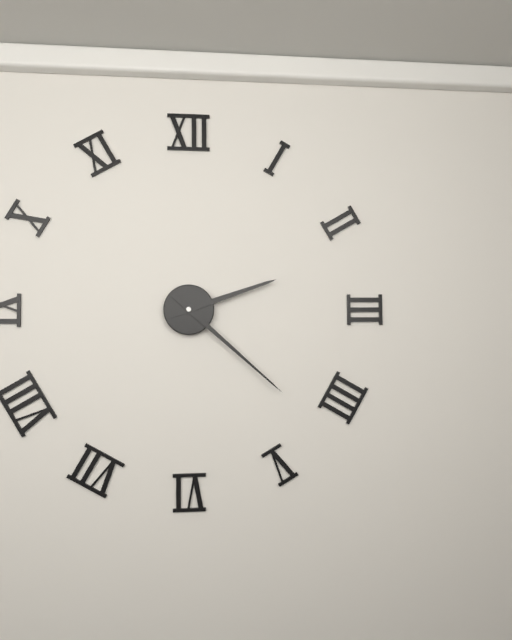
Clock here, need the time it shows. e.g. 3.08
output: 2.22
